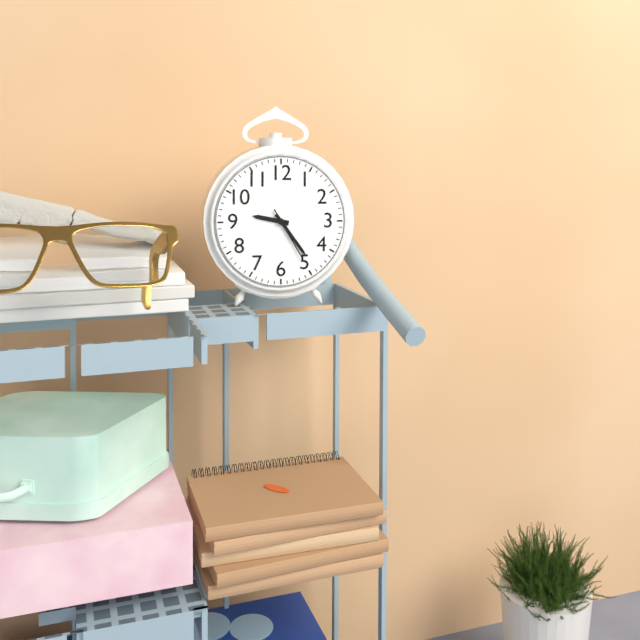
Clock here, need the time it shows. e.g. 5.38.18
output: 9.24.25
